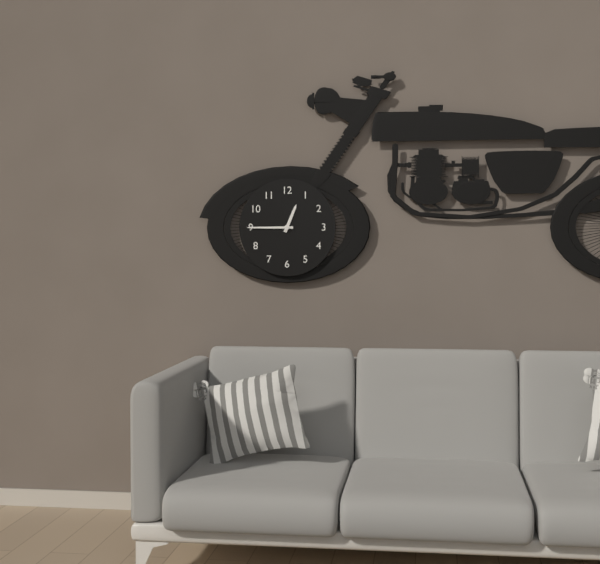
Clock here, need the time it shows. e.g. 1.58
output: 12.45
